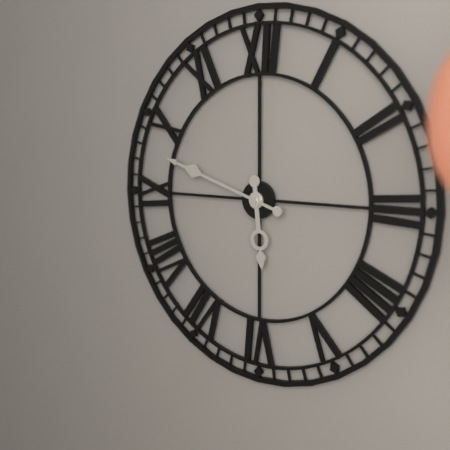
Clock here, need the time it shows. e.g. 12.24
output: 5.48
